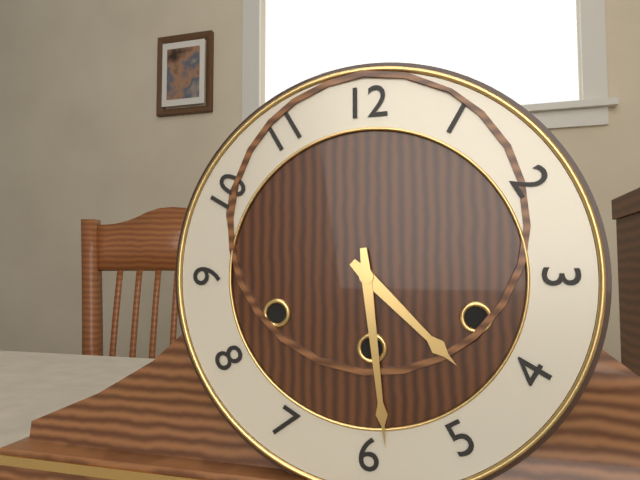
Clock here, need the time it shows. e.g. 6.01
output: 4.29
